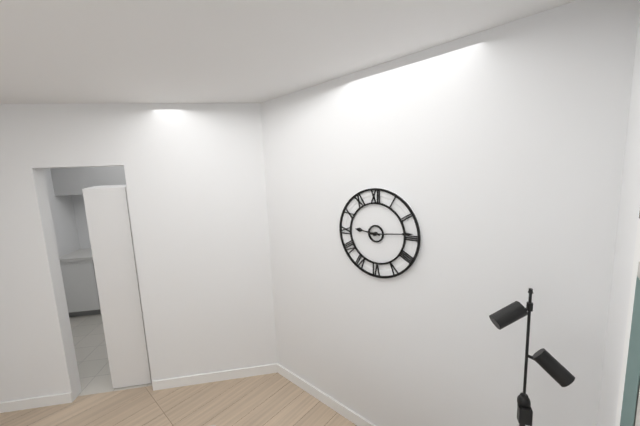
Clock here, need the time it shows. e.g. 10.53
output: 9.14
